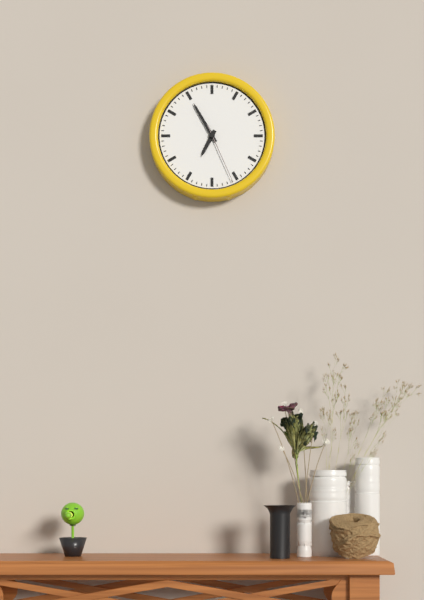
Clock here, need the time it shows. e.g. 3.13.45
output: 6.55.26
